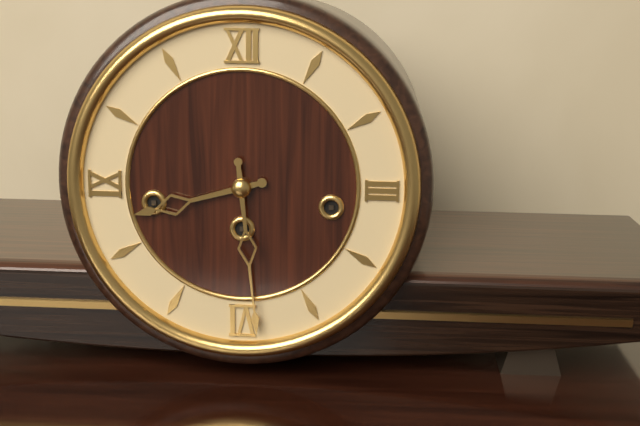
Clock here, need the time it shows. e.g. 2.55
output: 8.29
